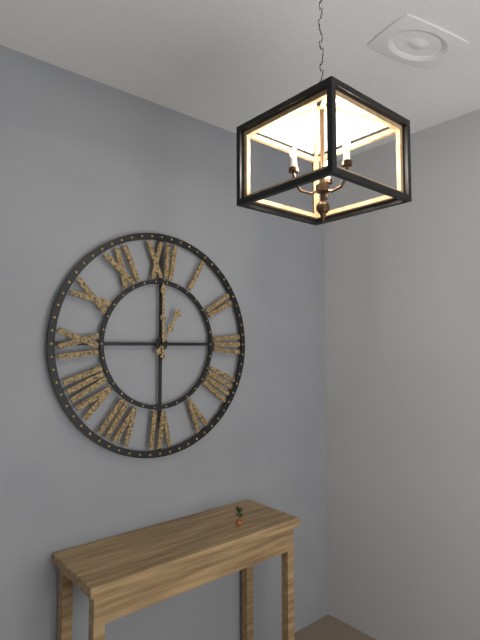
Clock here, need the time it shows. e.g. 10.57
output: 1.00
